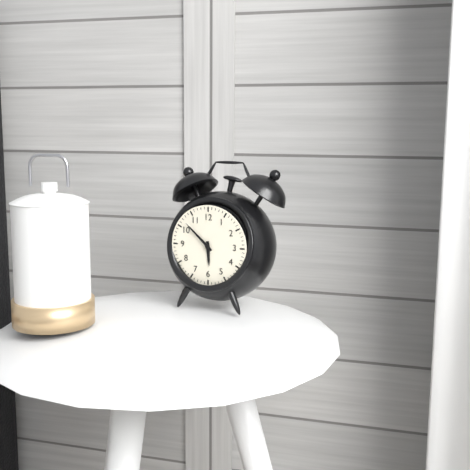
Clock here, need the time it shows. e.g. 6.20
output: 5.52
